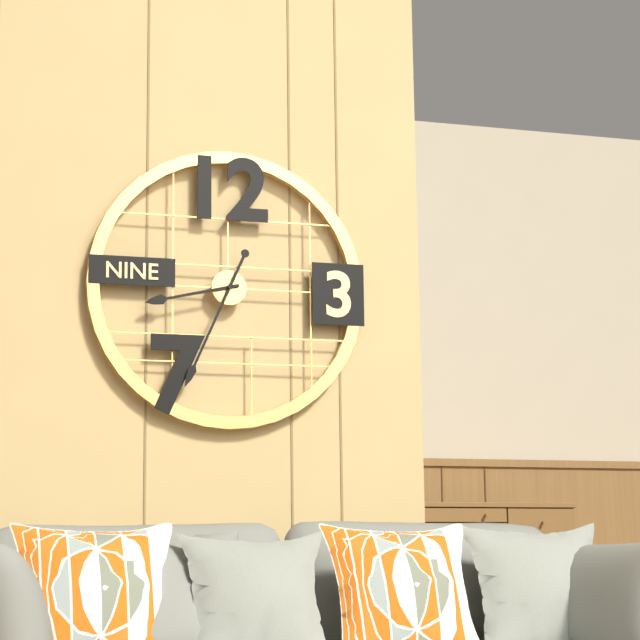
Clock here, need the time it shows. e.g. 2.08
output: 8.34
